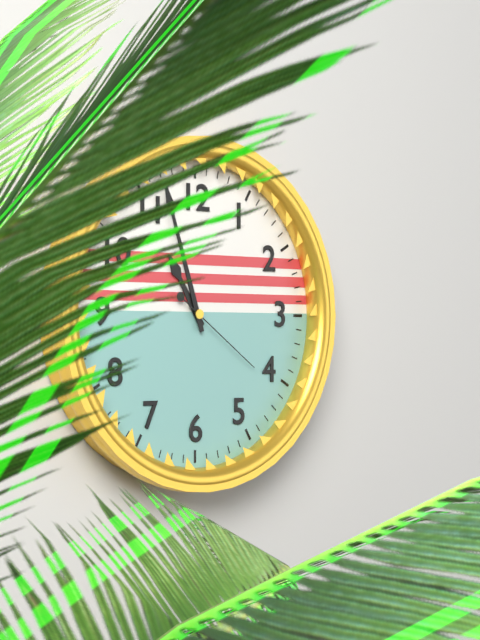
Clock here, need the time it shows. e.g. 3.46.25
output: 10.57.21
